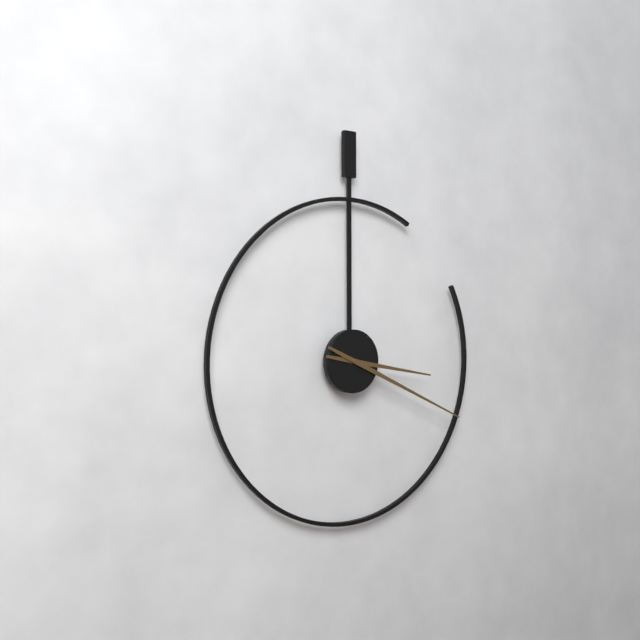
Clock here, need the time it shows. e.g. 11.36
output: 3.19
